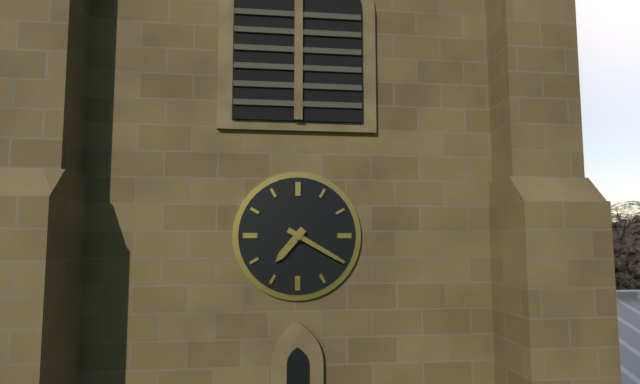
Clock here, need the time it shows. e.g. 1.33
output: 7.20
